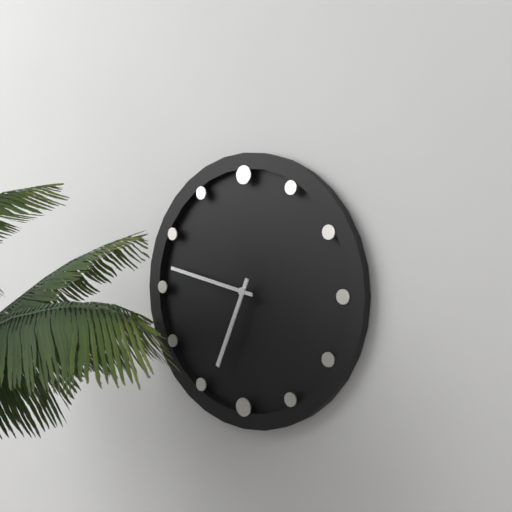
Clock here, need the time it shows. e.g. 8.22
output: 6.47
